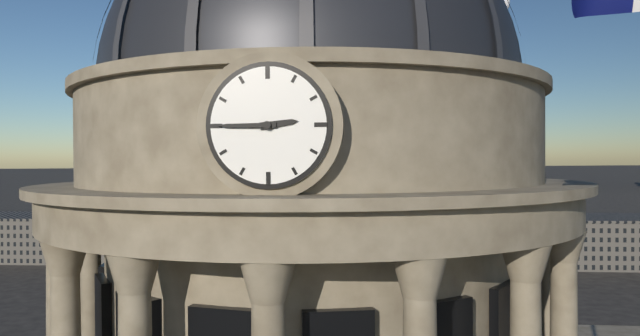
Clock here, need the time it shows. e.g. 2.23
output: 2.45
